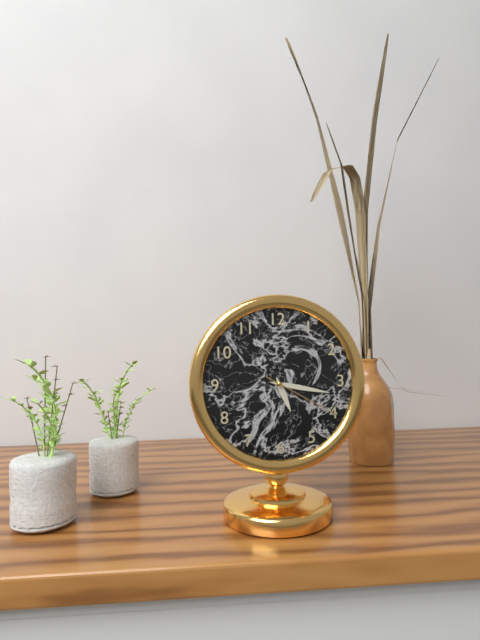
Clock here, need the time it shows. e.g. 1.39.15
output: 5.17.20
